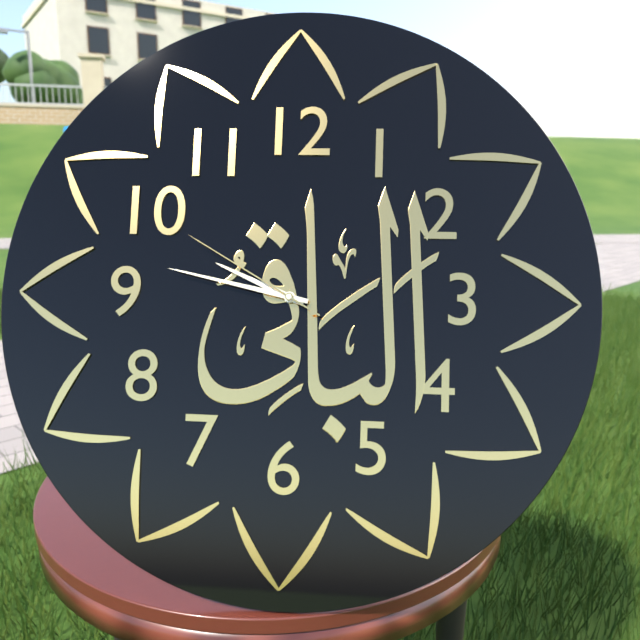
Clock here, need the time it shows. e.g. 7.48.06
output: 9.47.50
